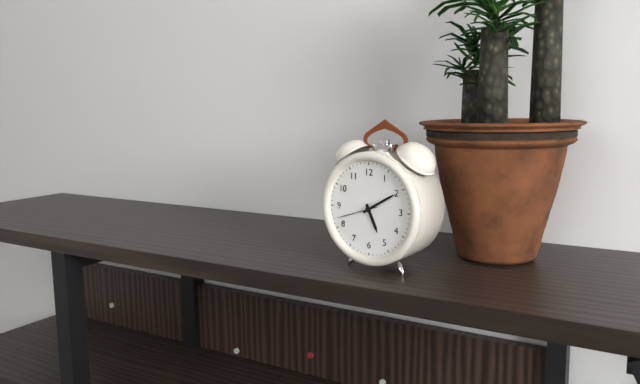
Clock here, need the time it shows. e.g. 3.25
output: 5.10
